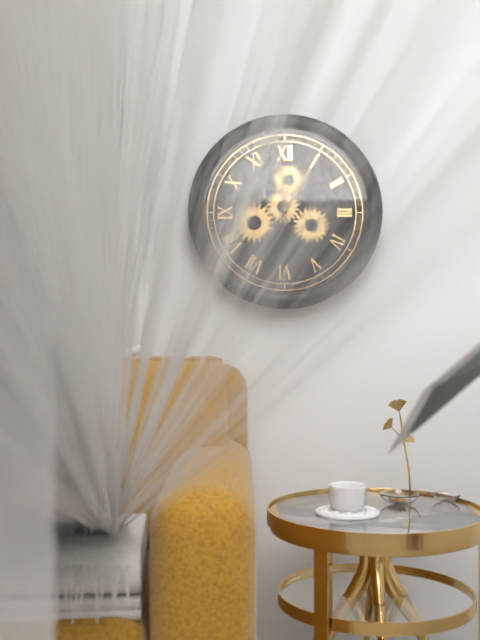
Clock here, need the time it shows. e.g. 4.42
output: 12.59
